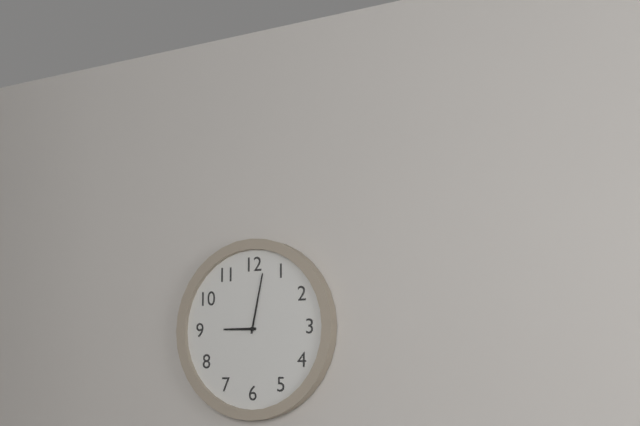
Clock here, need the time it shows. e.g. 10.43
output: 9.02
